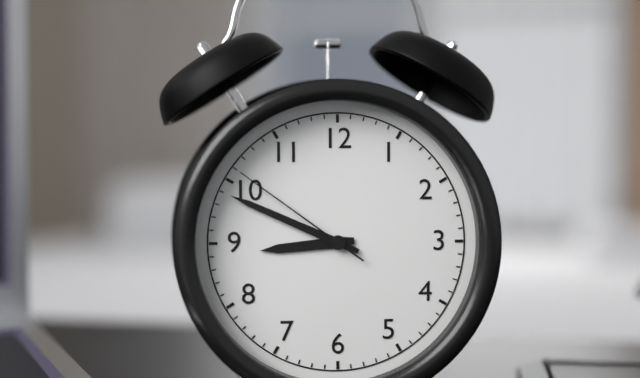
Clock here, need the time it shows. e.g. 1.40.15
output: 8.49.51
